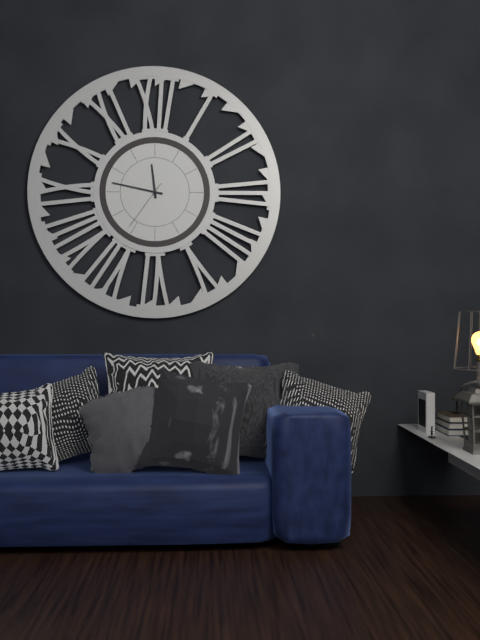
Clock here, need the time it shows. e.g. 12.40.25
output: 11.47.36
